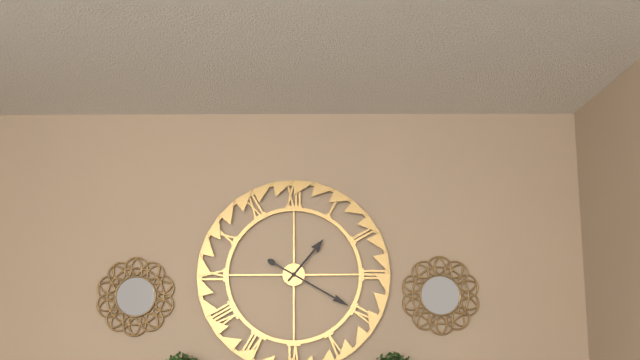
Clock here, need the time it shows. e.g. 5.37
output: 1.20
